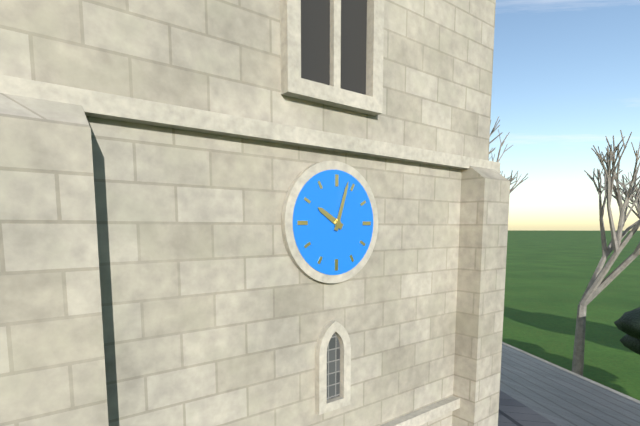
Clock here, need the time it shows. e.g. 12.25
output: 10.03
